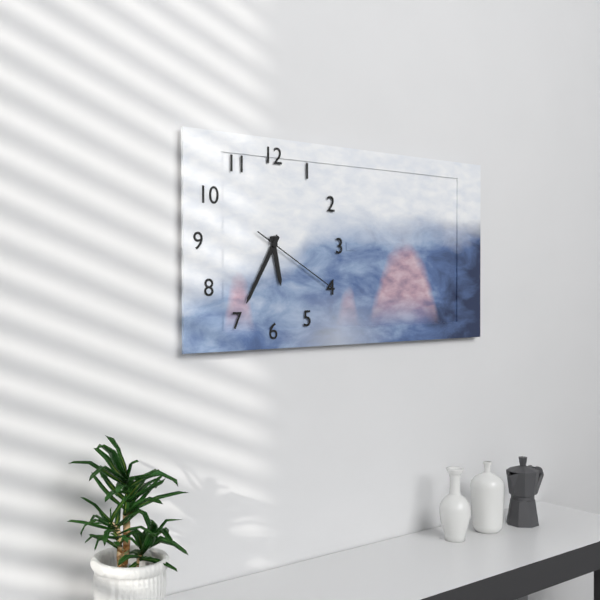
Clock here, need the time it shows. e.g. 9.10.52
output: 5.35.20
